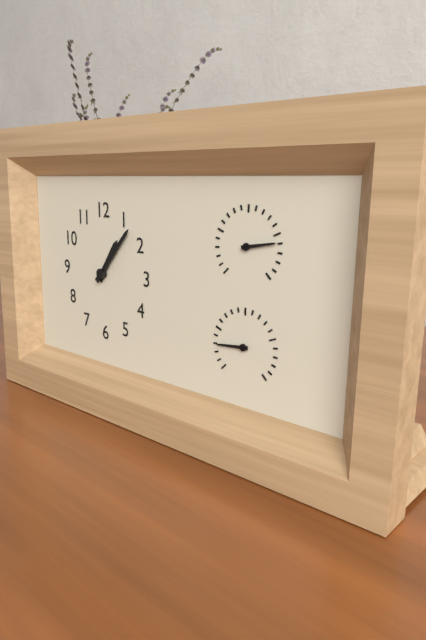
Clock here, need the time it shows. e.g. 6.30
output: 1.07
